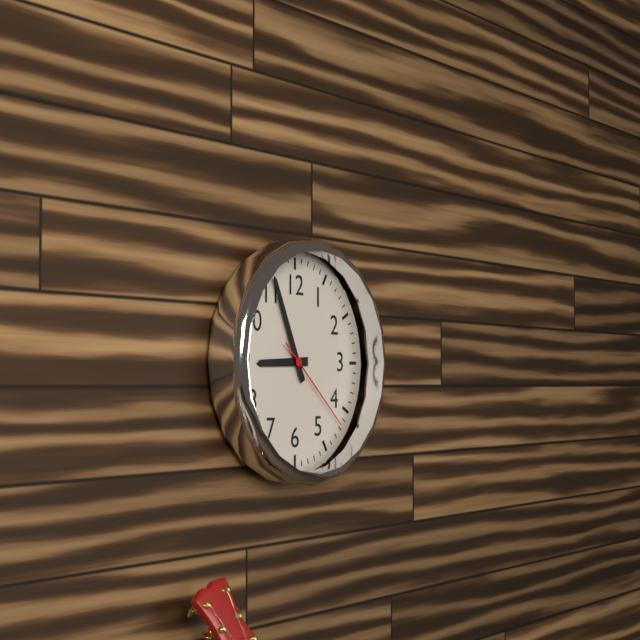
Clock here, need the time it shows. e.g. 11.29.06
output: 8.56.22
